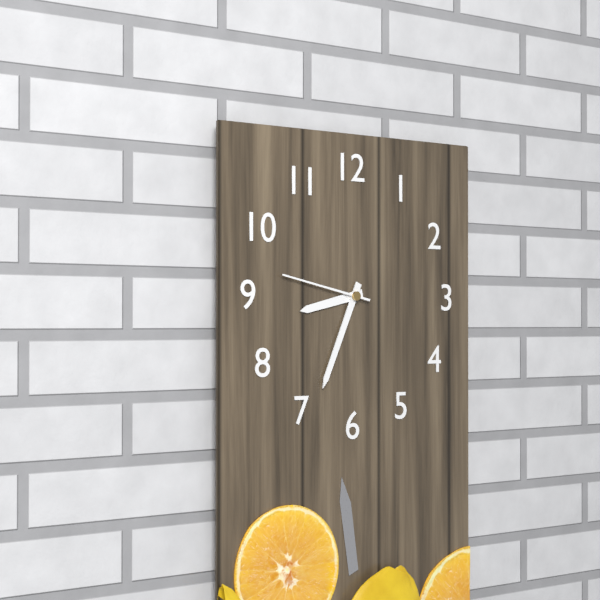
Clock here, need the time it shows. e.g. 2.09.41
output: 8.34.47
